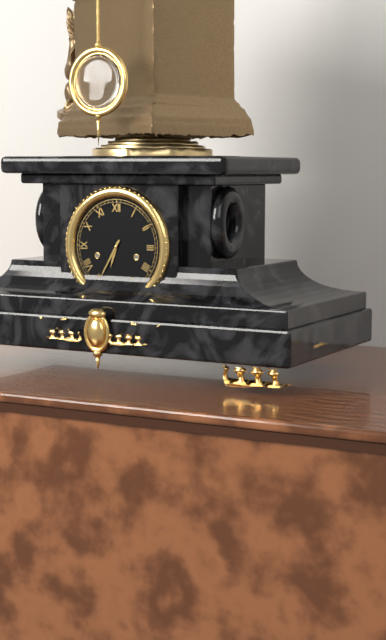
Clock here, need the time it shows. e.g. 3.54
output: 6.35
